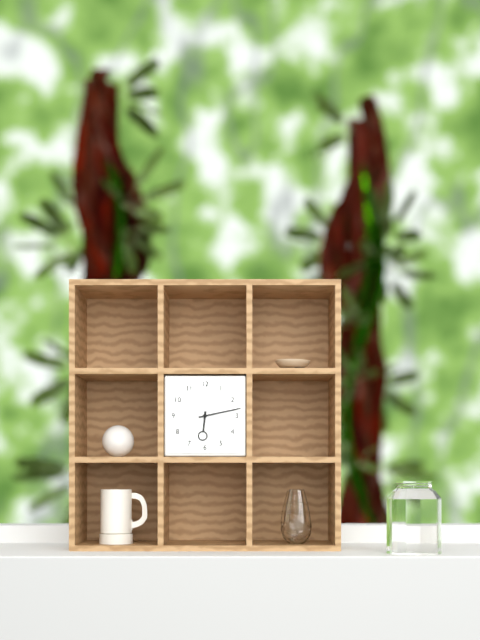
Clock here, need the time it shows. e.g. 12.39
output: 6.13
